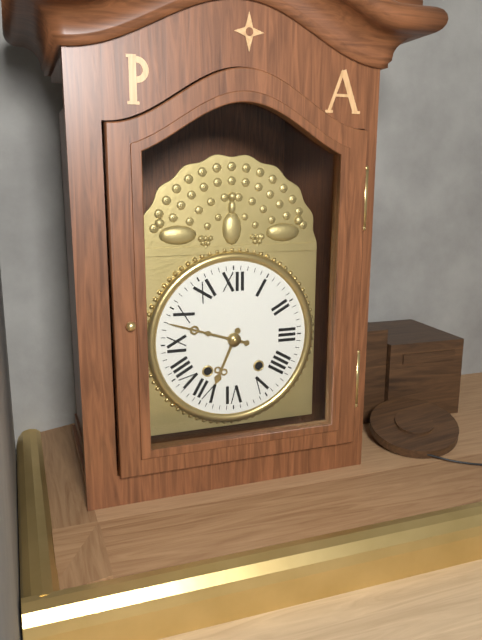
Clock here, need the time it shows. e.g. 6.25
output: 6.48
